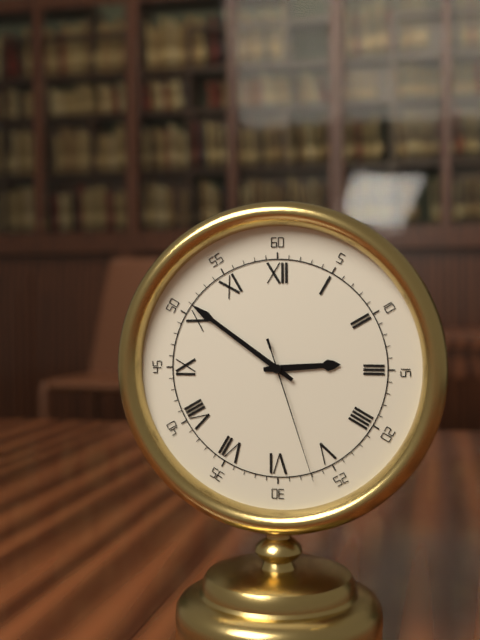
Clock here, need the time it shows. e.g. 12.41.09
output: 2.51.27
